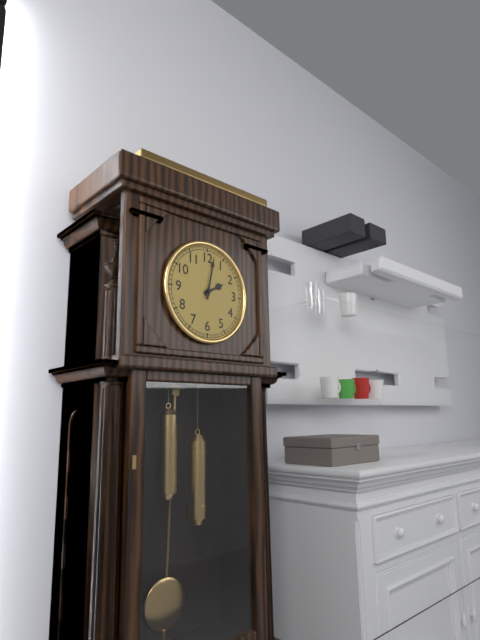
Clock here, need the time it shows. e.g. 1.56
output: 2.02
